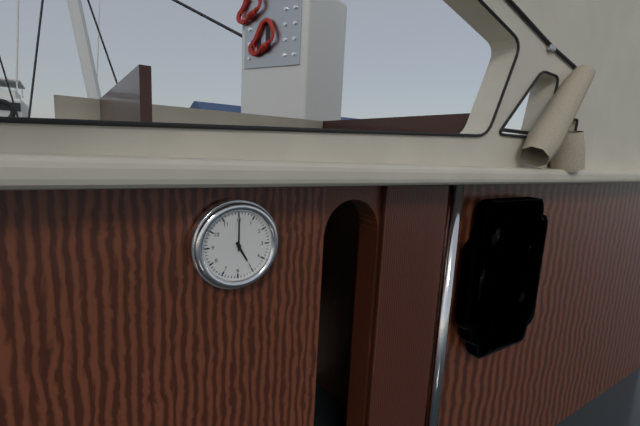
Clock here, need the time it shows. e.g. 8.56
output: 5.00
